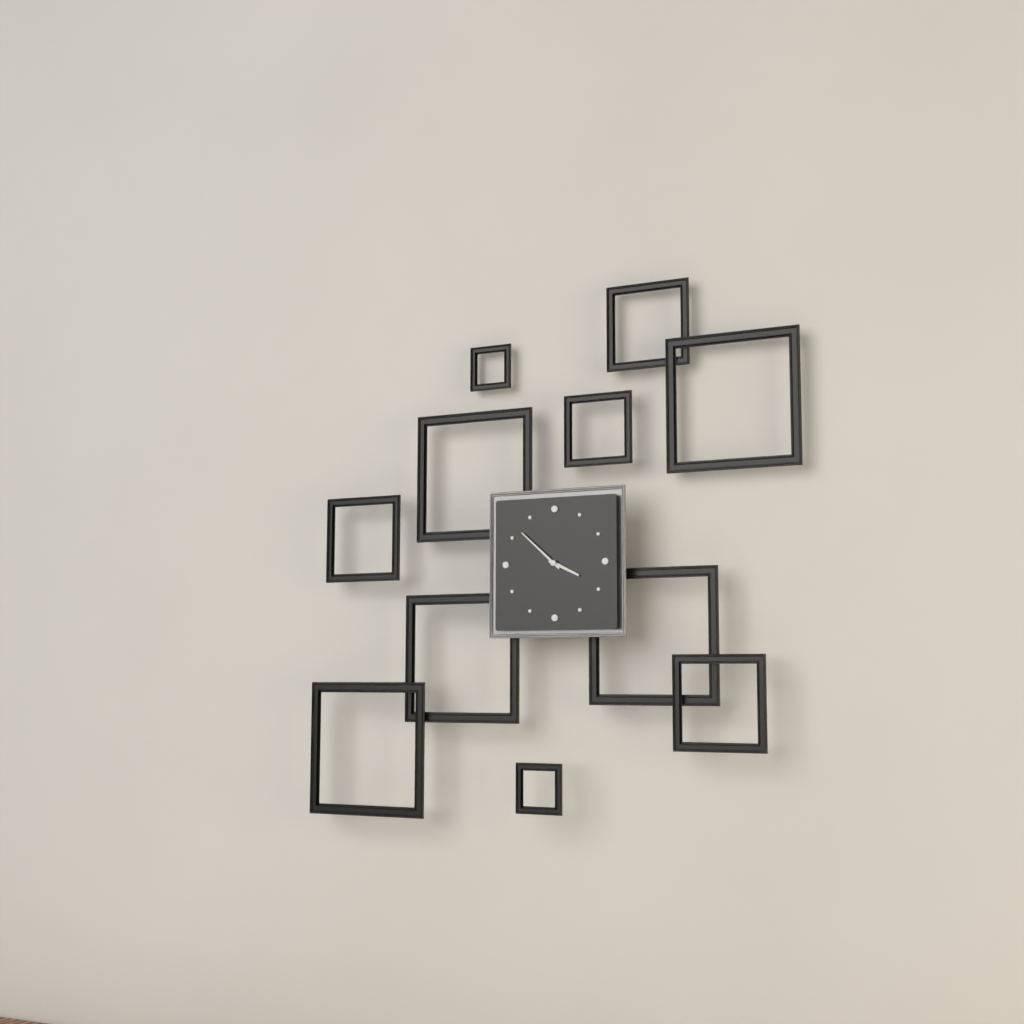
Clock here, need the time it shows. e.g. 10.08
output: 3.52
